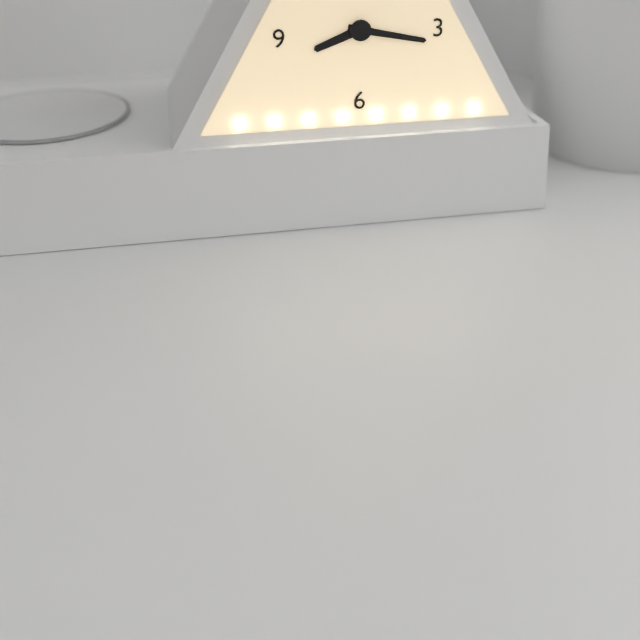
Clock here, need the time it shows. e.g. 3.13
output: 8.17
